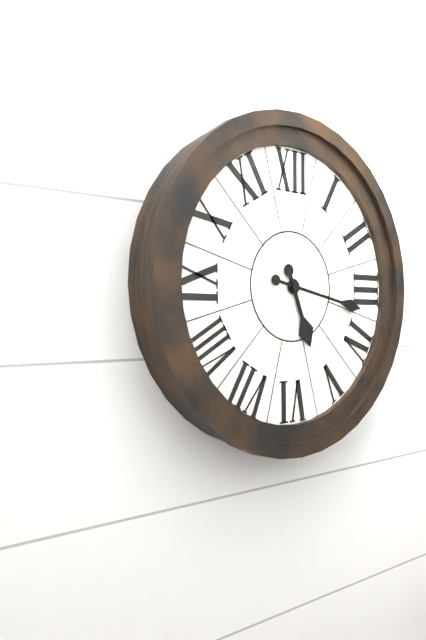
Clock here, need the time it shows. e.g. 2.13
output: 5.17
